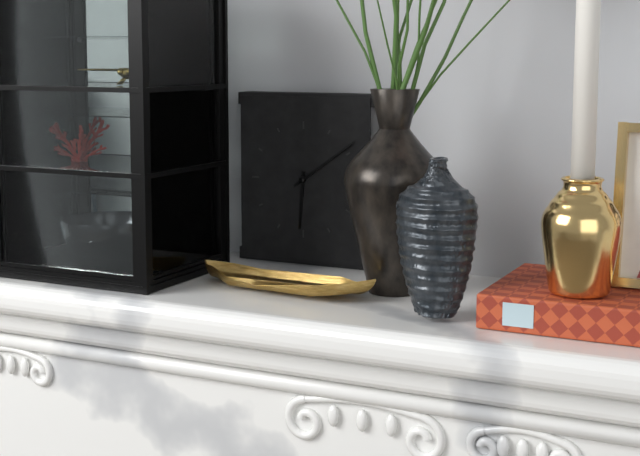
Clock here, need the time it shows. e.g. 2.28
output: 6.09
